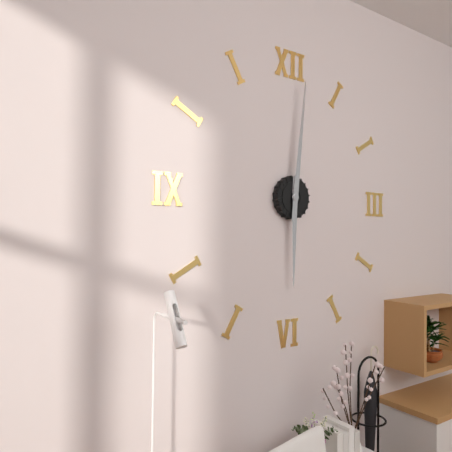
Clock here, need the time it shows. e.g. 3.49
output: 6.01
